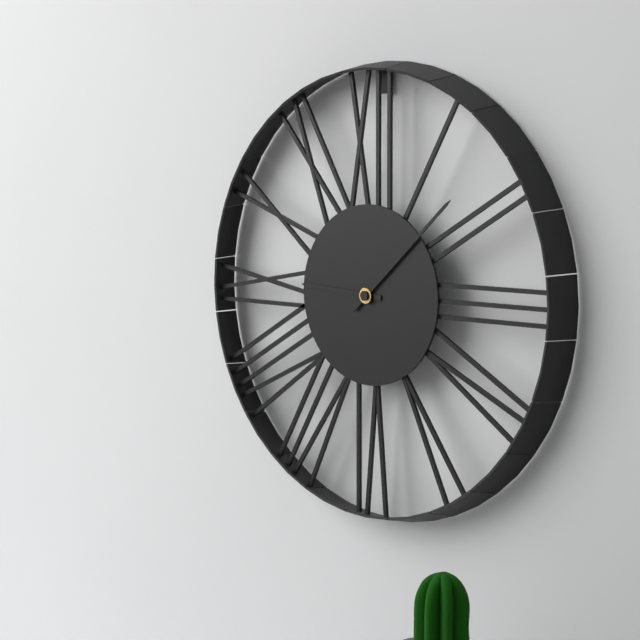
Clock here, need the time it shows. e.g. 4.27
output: 9.08
